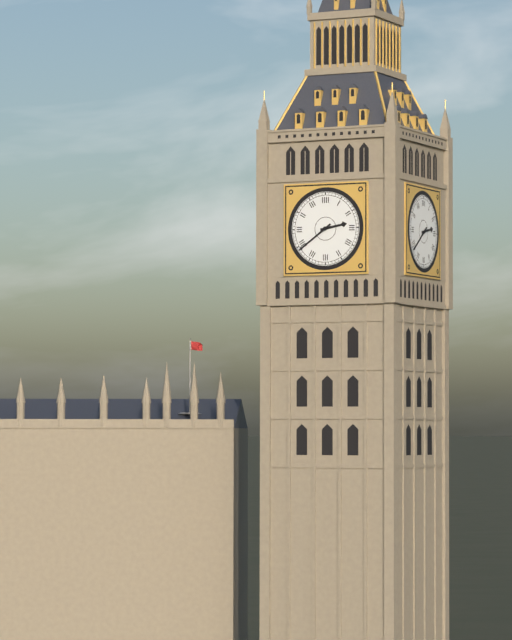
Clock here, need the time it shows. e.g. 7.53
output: 2.39
